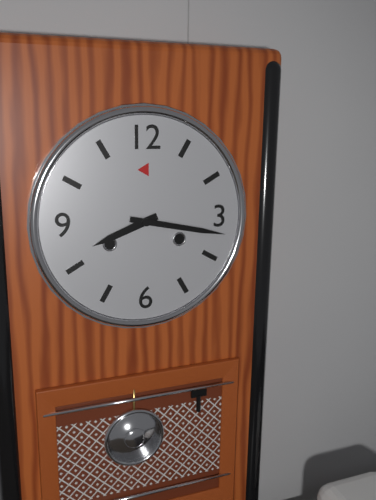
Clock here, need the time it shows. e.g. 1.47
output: 8.17
